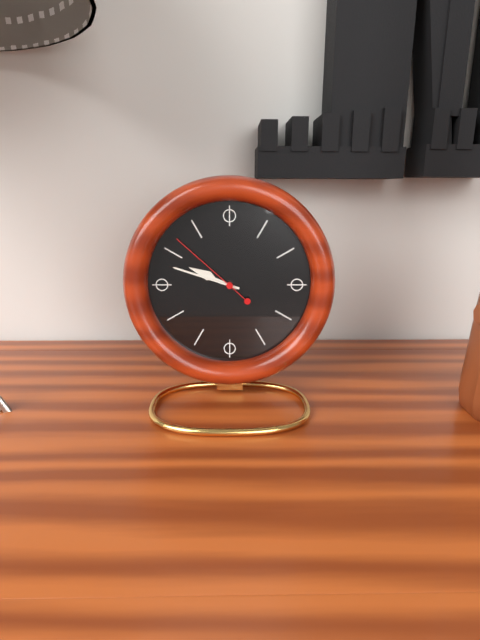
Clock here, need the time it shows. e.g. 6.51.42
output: 9.48.52
